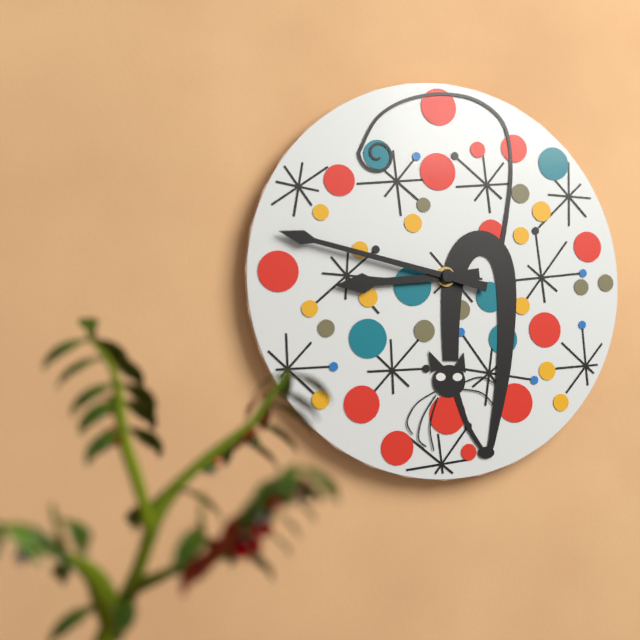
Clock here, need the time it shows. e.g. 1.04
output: 8.47
